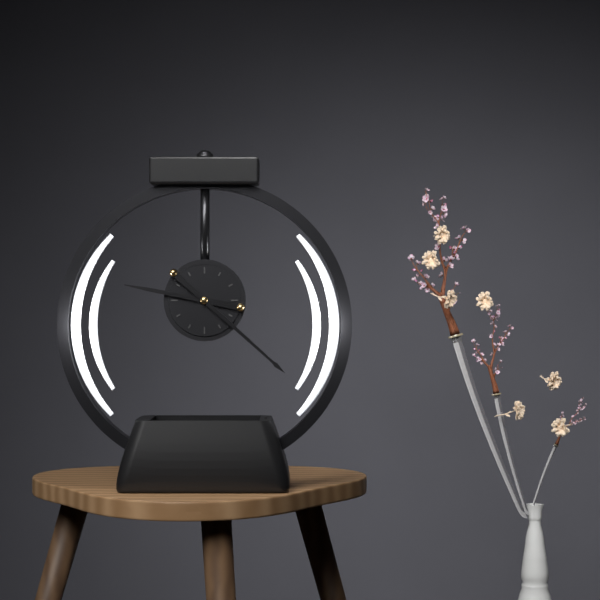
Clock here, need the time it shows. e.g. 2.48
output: 9.22
